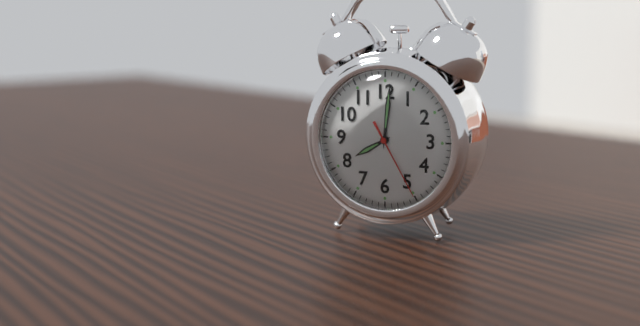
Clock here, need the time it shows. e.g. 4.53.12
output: 8.01.25
